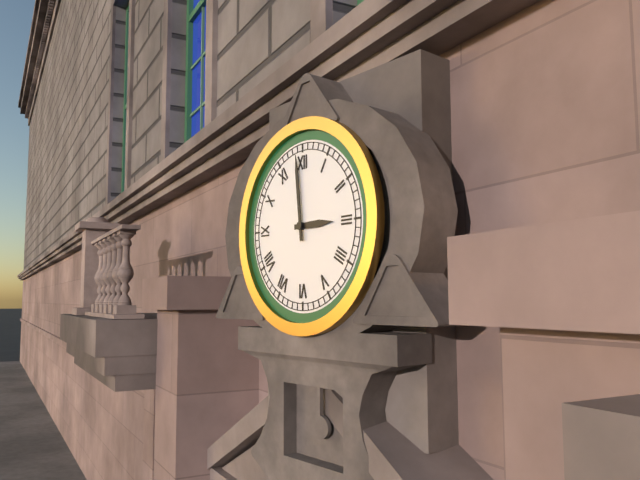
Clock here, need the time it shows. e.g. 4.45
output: 2.59
